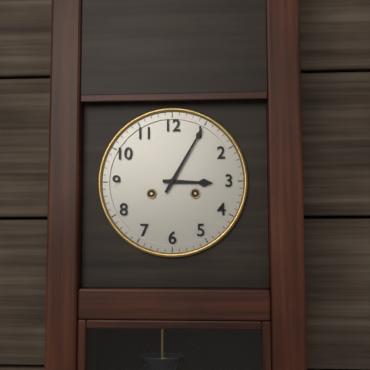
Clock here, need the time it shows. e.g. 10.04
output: 3.05
